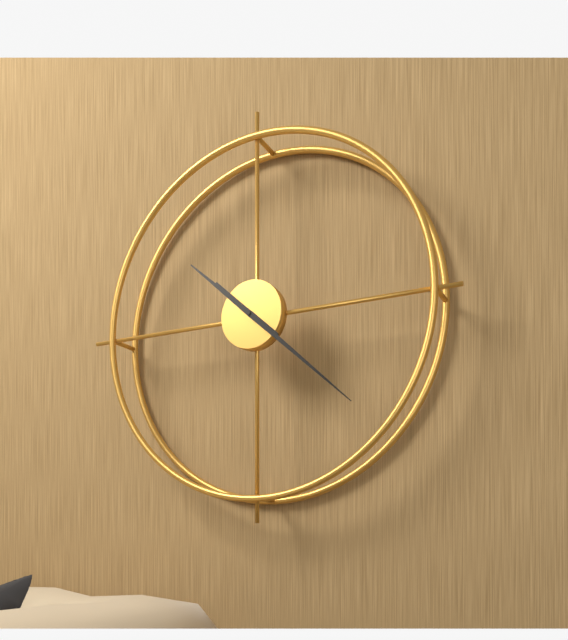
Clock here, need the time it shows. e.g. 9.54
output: 10.22
